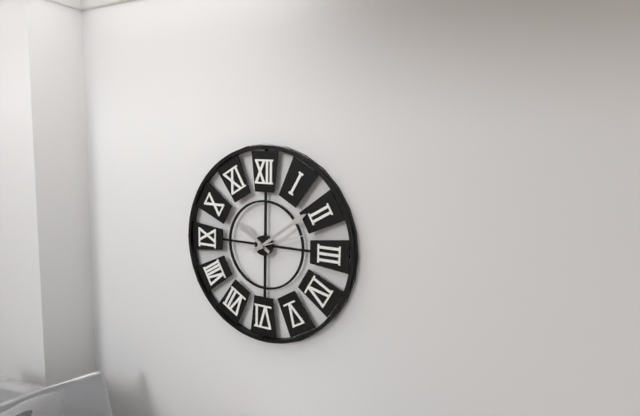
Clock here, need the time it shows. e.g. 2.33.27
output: 10.09.12
